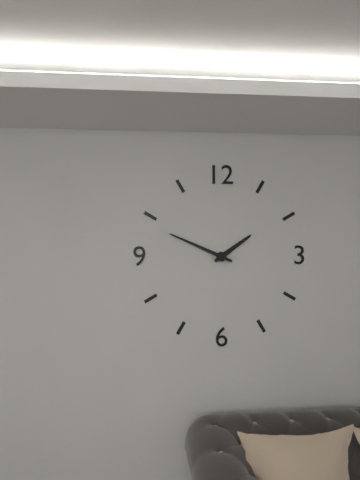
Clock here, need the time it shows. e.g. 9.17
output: 1.49
